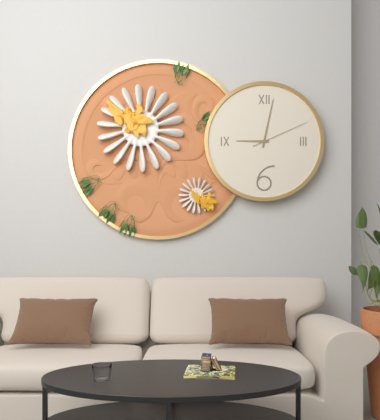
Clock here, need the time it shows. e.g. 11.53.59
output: 9.02.11
